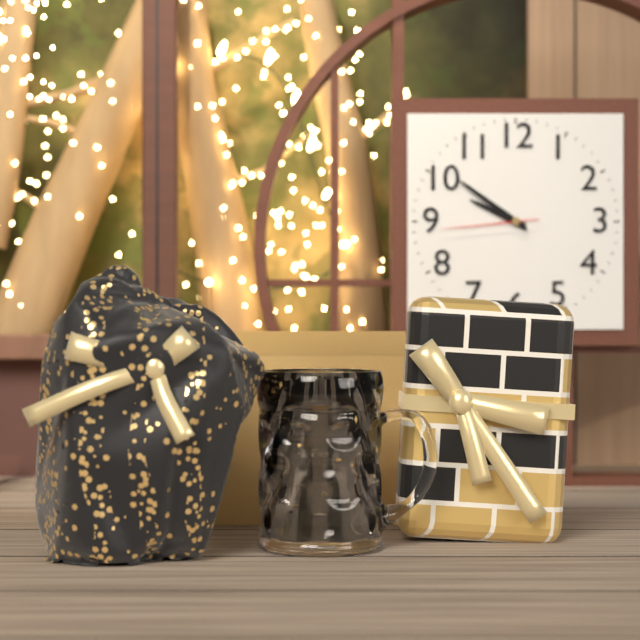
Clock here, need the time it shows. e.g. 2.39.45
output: 9.51.44
